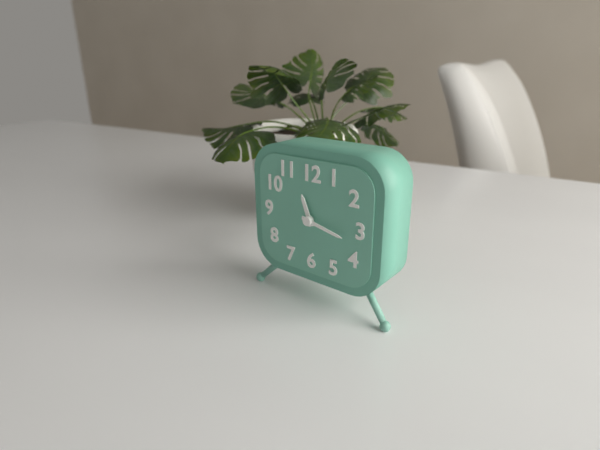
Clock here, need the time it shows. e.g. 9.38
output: 11.17
